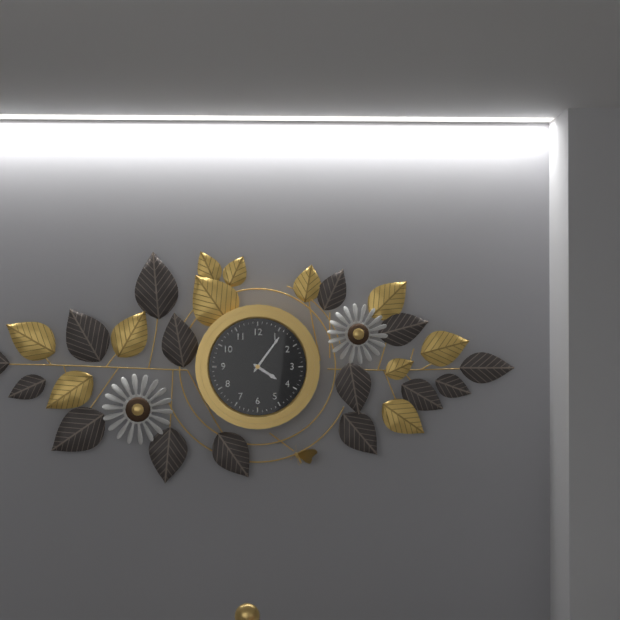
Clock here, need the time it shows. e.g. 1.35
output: 4.06
